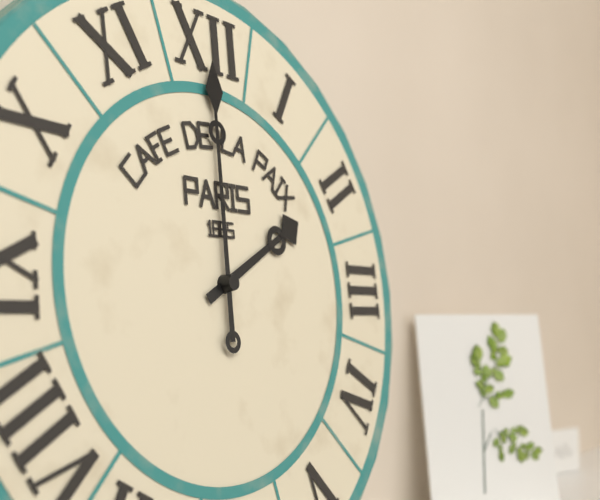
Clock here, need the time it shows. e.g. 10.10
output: 2.00
